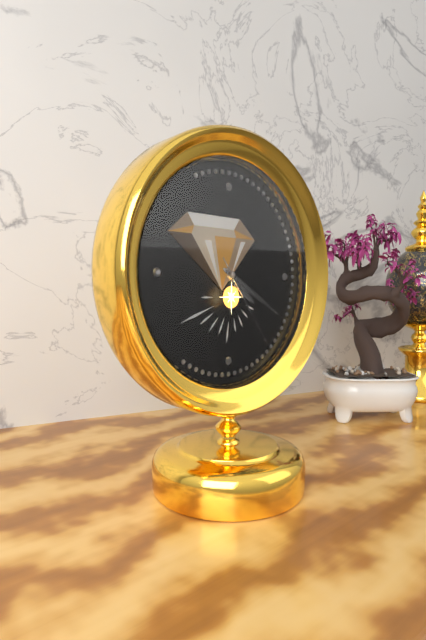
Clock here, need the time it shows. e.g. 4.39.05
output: 4.20.24
